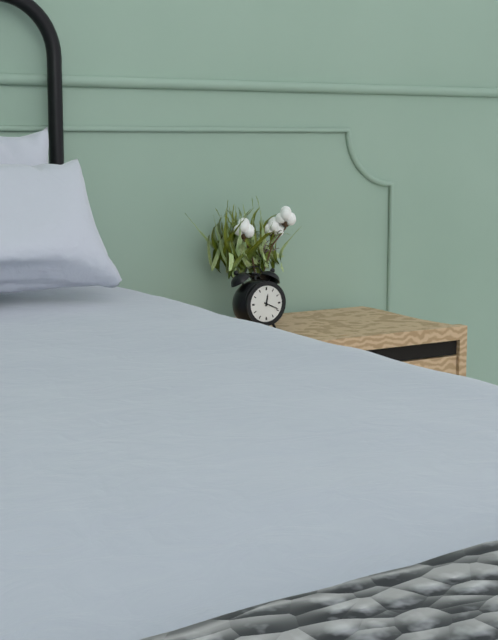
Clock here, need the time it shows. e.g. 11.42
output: 12.19
